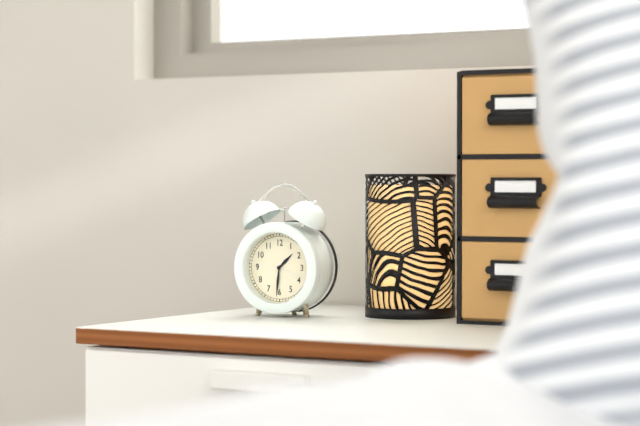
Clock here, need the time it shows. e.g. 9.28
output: 1.31
